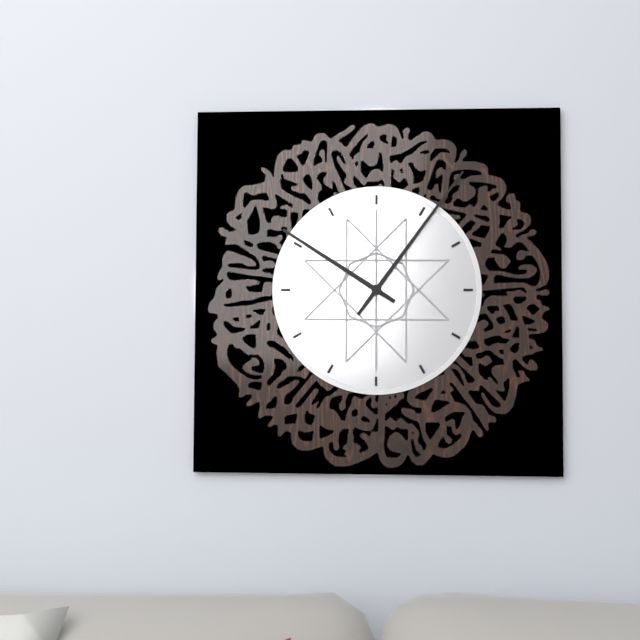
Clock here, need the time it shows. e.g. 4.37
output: 10.06
